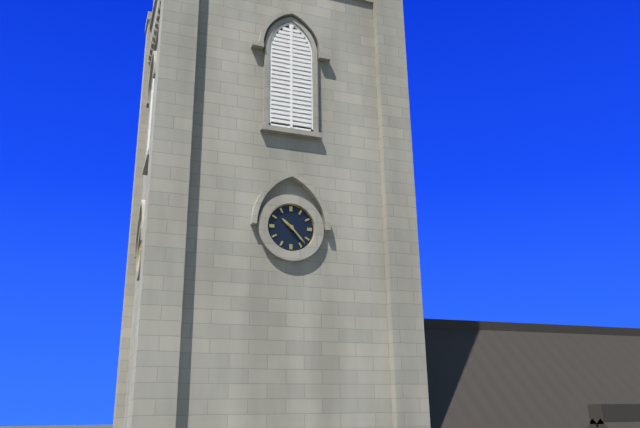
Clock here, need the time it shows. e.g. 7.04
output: 10.23
